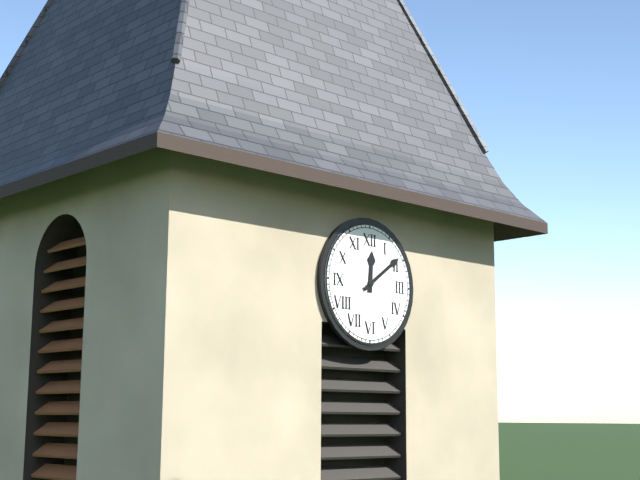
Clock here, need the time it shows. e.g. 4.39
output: 12.09
